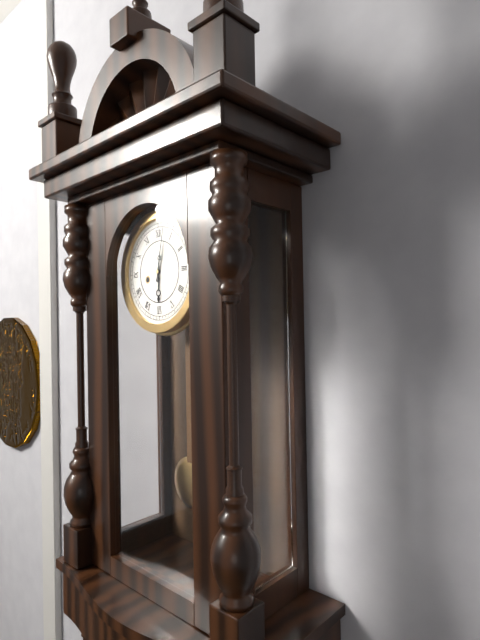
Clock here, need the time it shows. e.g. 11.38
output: 6.02
